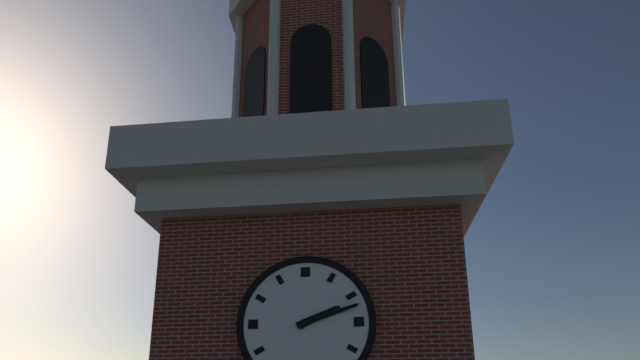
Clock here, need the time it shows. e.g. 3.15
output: 2.12
